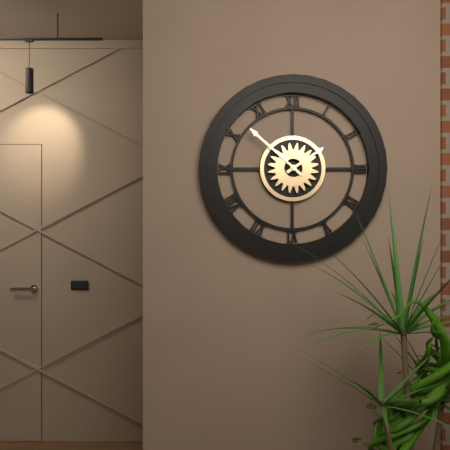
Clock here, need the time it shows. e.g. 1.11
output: 1.52
